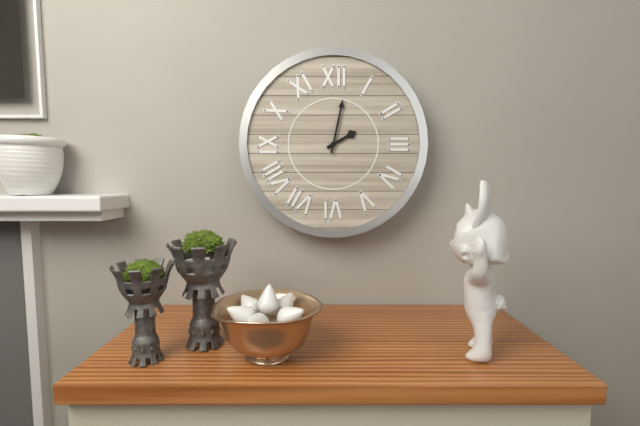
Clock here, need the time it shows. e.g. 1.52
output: 2.02
